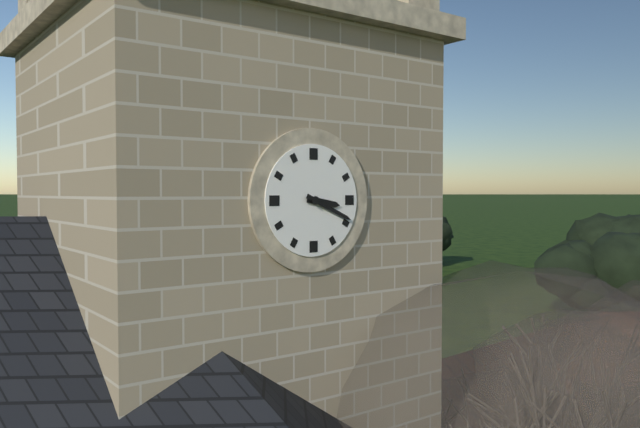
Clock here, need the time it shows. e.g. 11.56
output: 3.19
